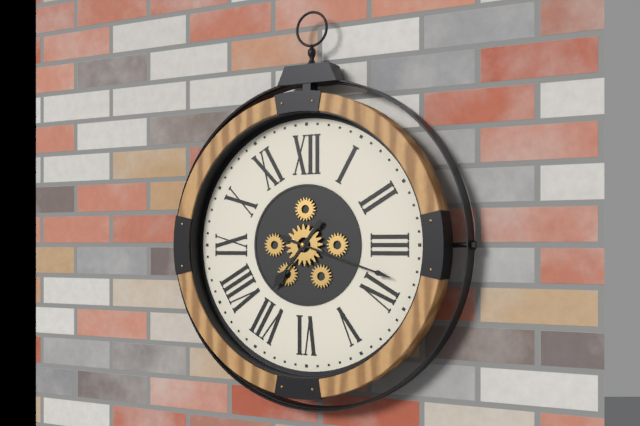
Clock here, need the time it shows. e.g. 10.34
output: 7.18
